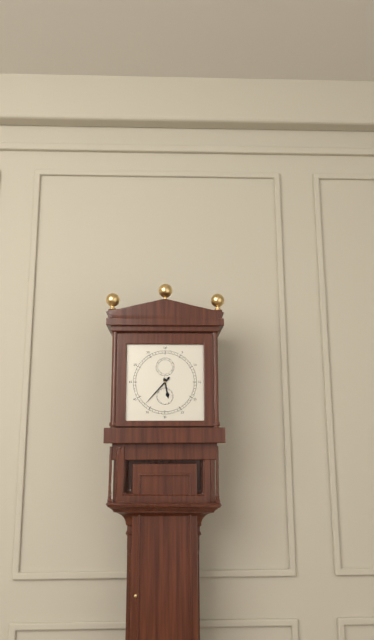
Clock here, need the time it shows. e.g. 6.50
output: 5.37
